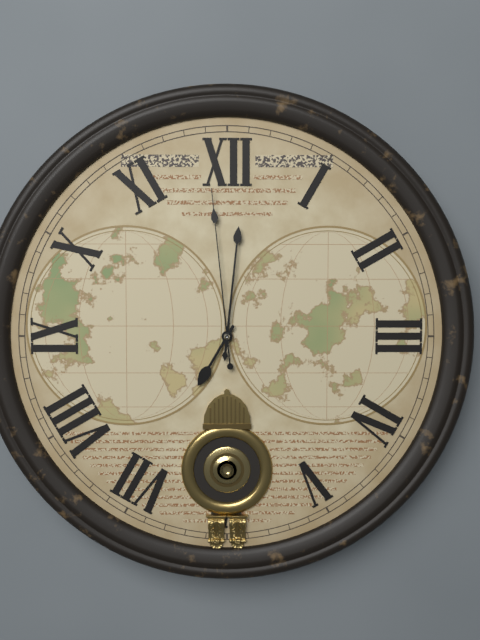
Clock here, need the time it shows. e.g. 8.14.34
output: 7.01.59
